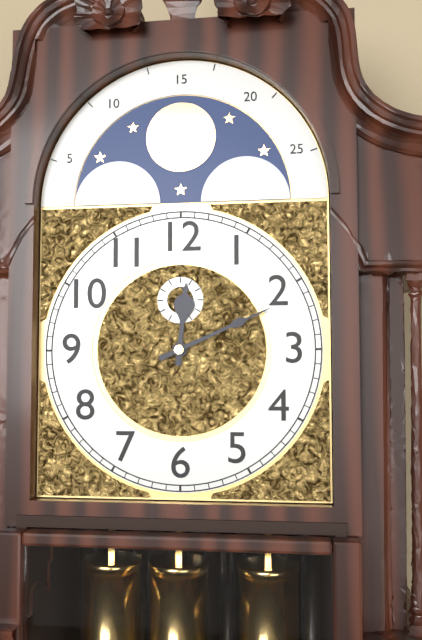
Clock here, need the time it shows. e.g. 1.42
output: 12.11
